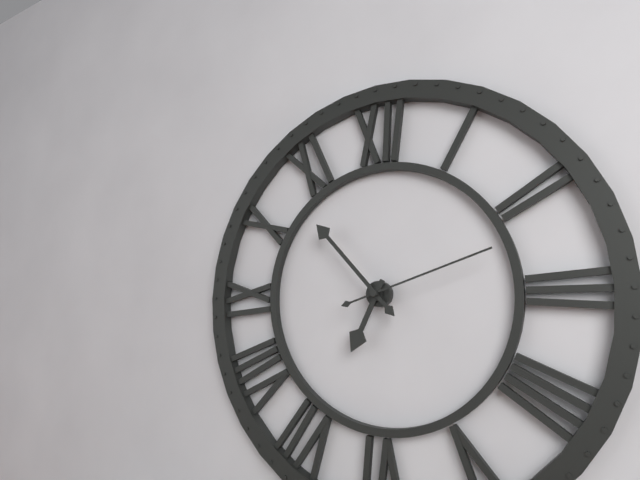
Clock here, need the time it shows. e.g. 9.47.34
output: 6.53.12
